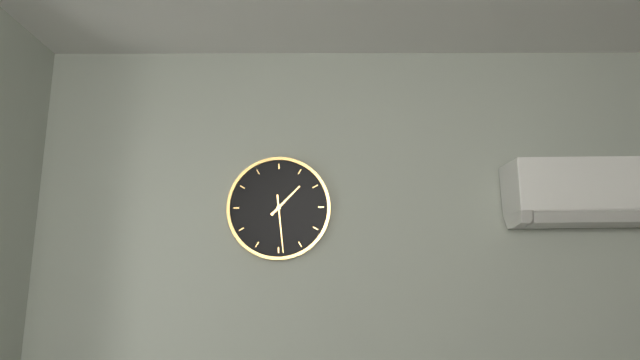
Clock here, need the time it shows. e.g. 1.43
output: 1.29
